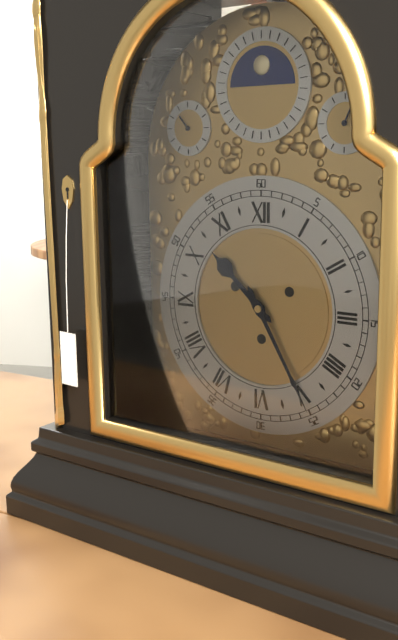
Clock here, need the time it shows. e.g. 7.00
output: 10.25
